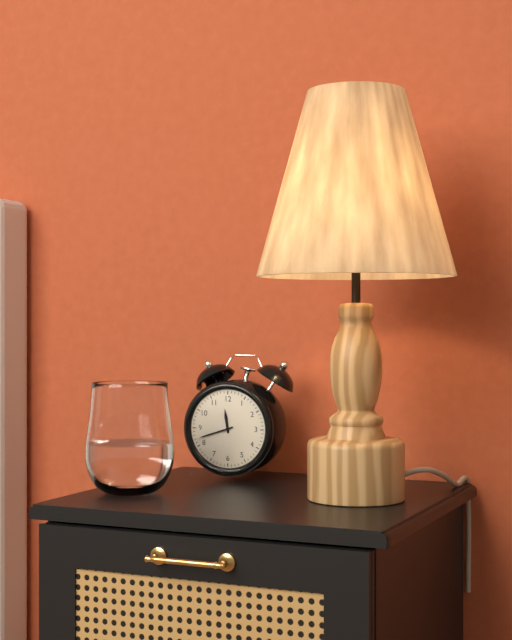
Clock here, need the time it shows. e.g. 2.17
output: 11.42
